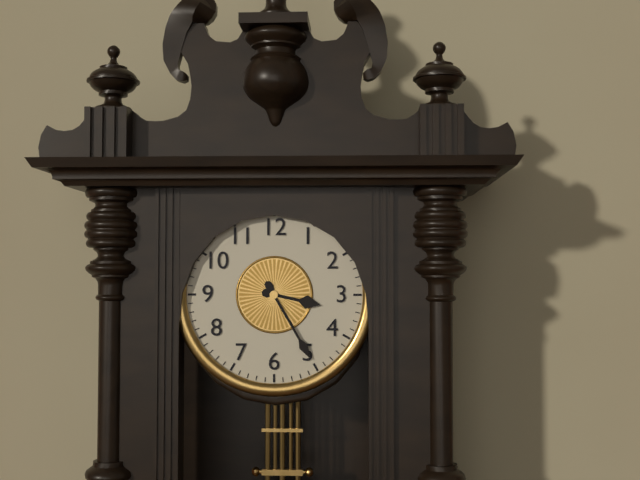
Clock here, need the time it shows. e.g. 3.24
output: 3.25
